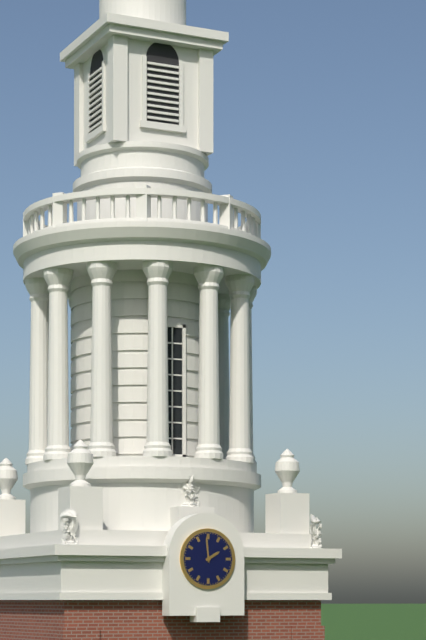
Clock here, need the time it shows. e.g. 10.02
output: 1.59
